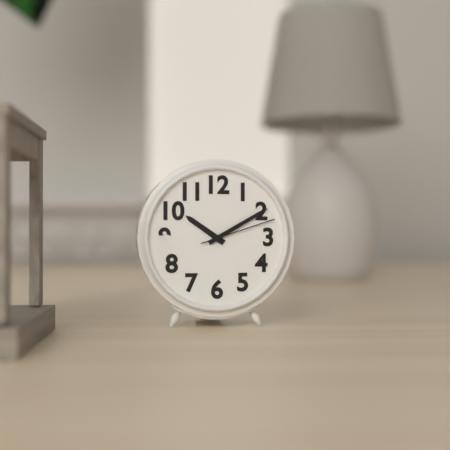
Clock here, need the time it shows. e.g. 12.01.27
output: 10.10.12
